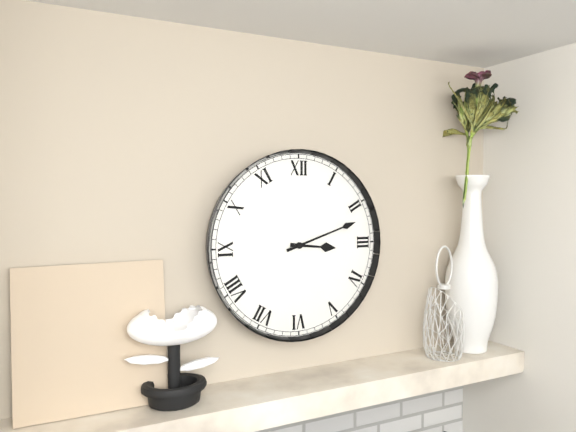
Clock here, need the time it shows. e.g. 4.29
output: 3.12
